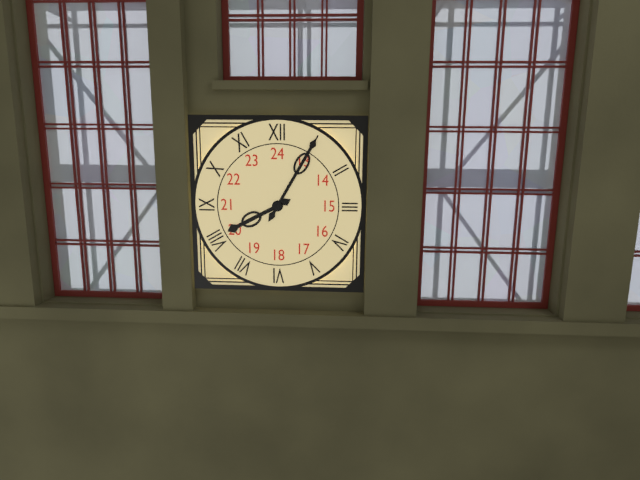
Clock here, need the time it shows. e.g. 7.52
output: 8.05
